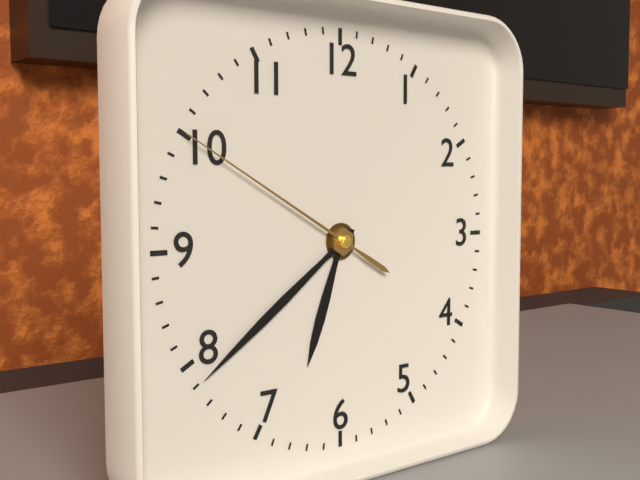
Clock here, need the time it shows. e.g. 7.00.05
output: 6.39.50
